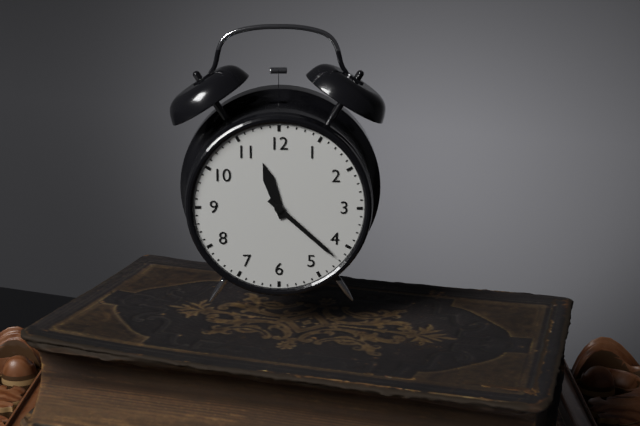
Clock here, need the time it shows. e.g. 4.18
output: 11.22
